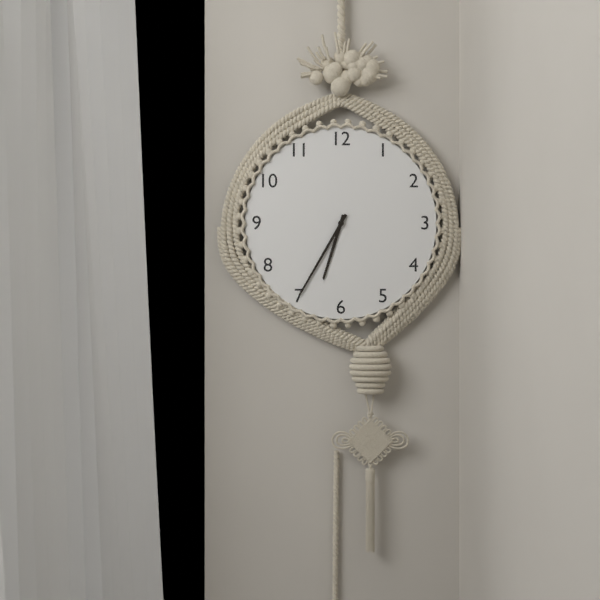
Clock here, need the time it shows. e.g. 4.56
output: 6.35
